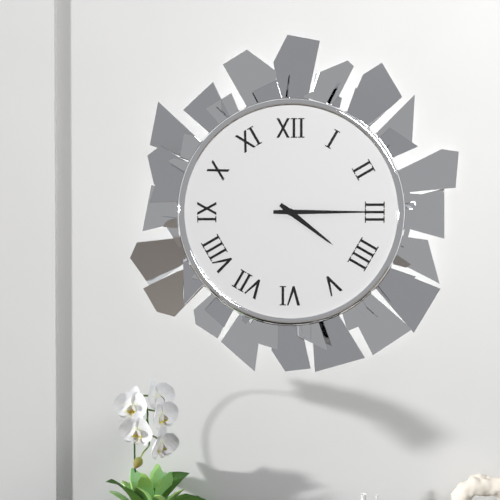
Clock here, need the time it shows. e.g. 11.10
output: 4.15
